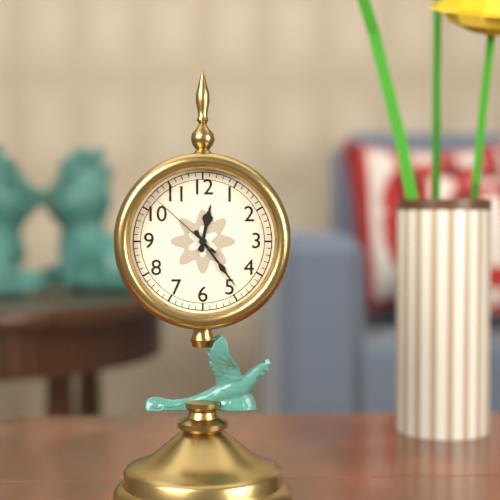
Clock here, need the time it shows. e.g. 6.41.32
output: 12.24.52
